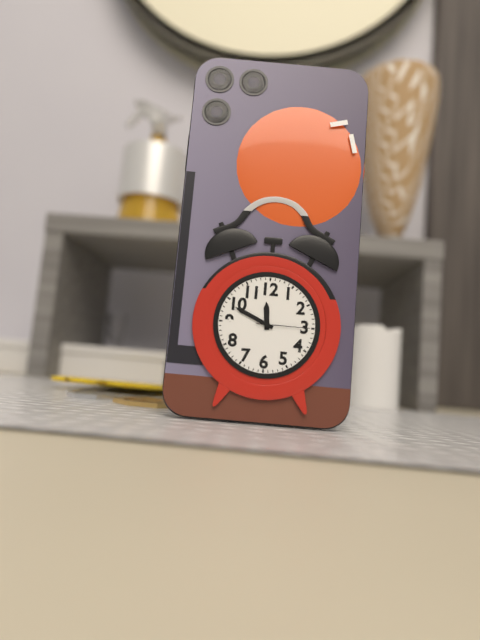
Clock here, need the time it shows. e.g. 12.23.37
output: 11.49.15
